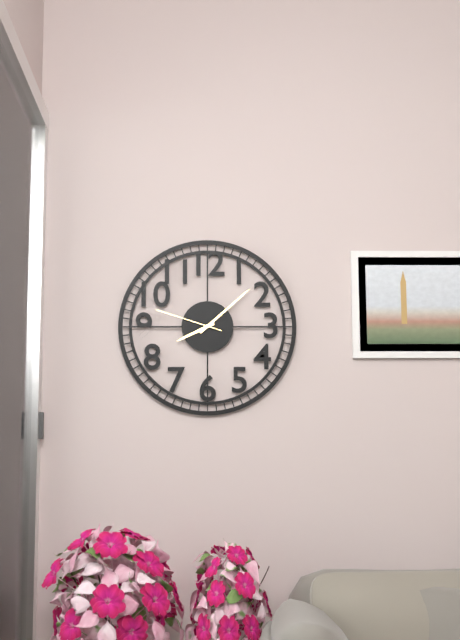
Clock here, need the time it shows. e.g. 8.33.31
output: 8.08.48
